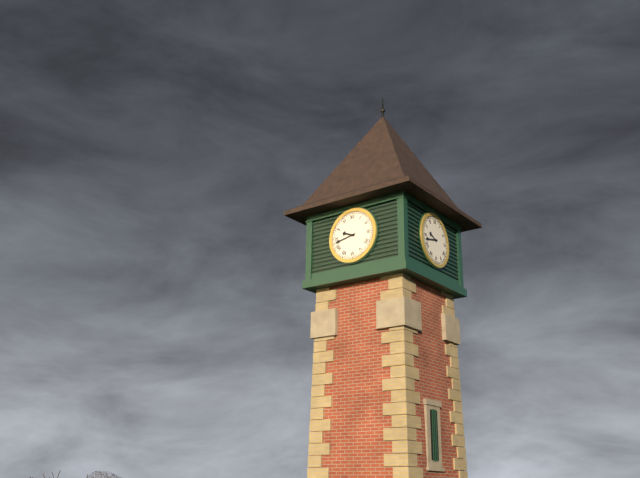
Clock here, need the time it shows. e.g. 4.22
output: 9.43
